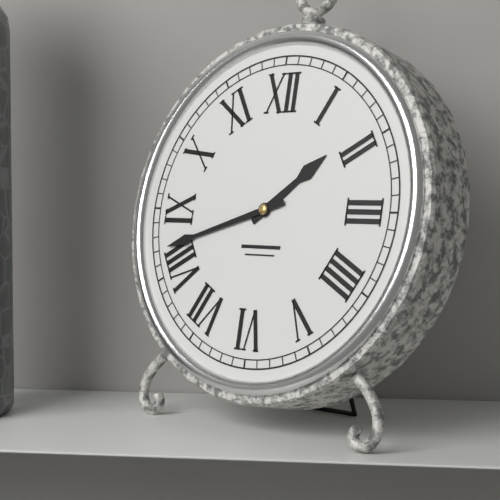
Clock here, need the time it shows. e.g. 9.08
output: 1.42
